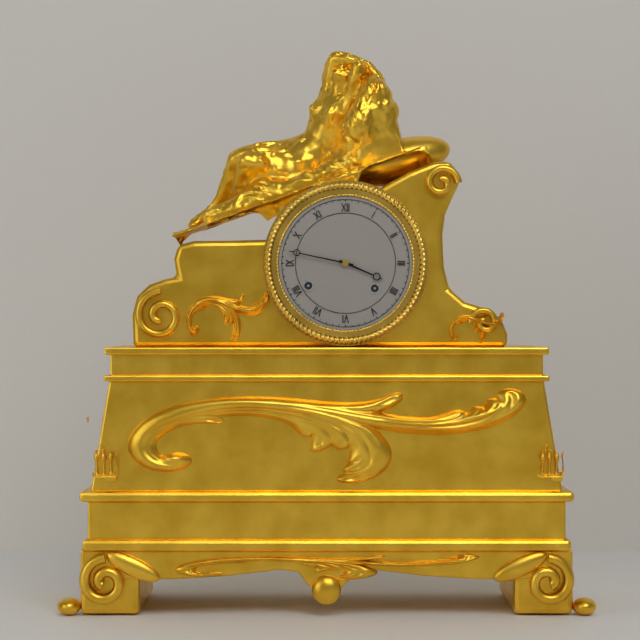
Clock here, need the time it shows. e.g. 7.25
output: 3.47
